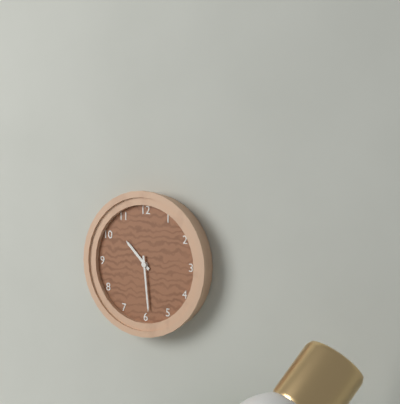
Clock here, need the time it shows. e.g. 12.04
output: 10.29
